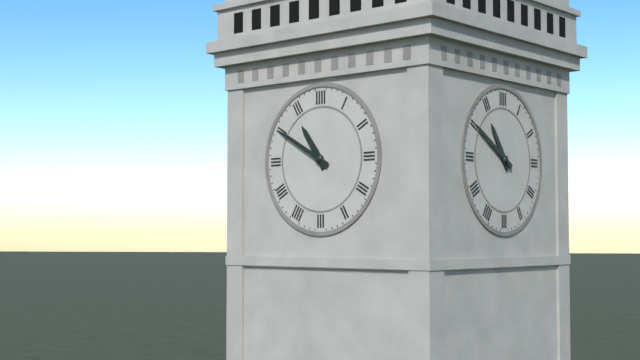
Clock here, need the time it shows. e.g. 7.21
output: 10.50
